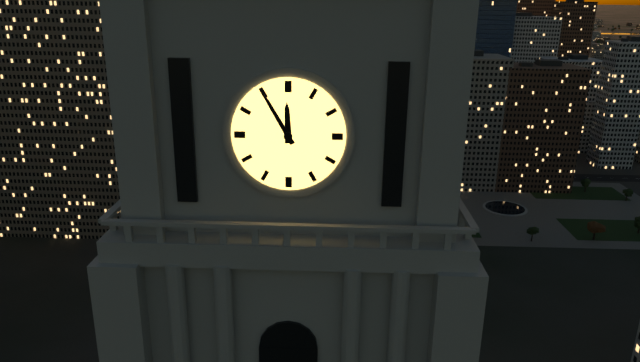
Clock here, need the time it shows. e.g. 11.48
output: 11.55
